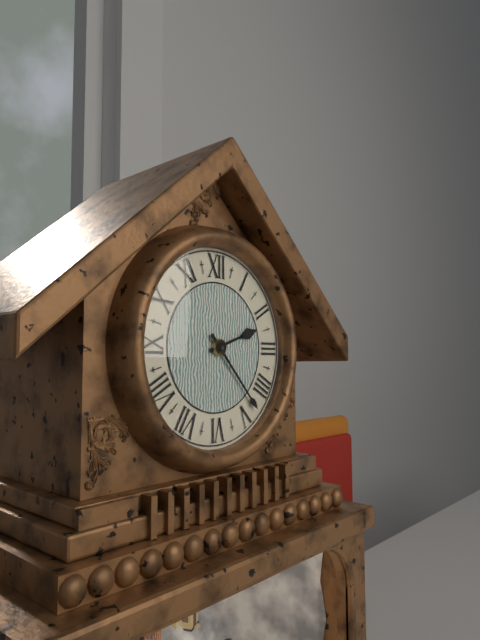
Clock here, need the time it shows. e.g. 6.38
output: 2.23
